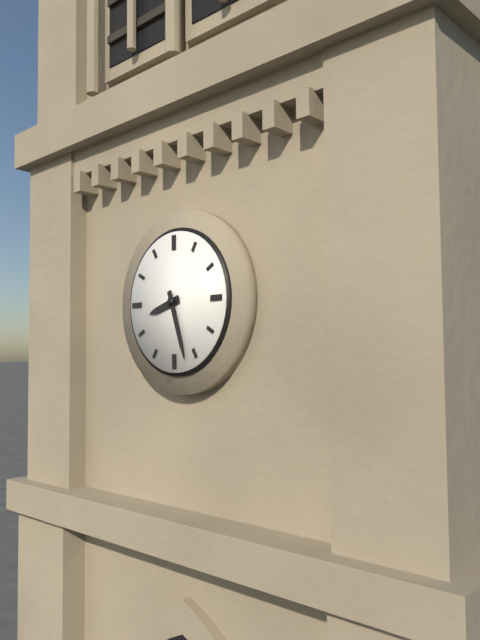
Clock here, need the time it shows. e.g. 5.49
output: 8.27
